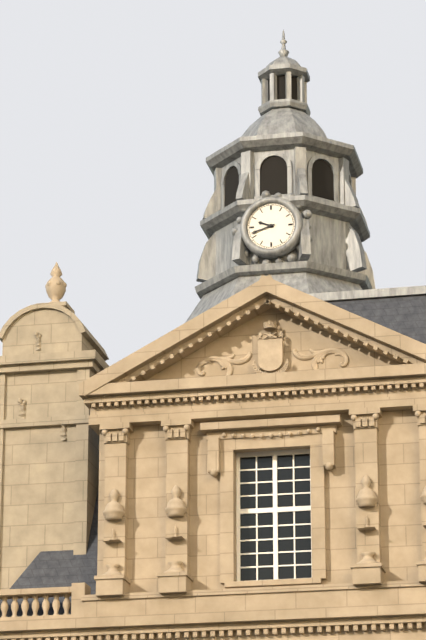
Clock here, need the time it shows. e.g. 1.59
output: 9.42
